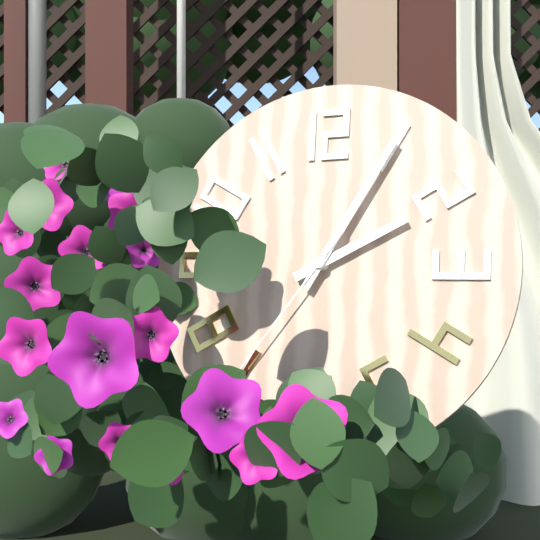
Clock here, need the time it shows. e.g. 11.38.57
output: 2.05.36
